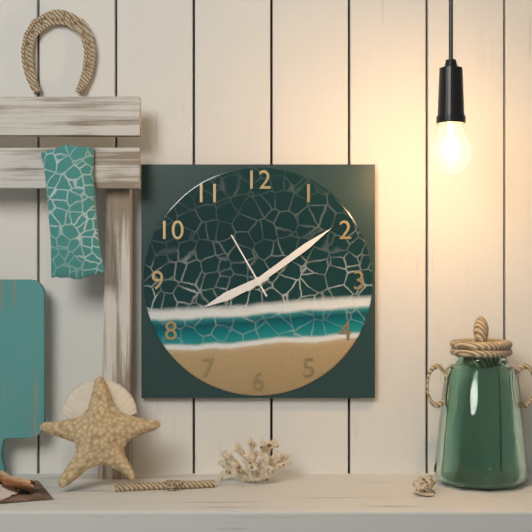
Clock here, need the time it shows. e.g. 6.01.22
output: 8.09.55
